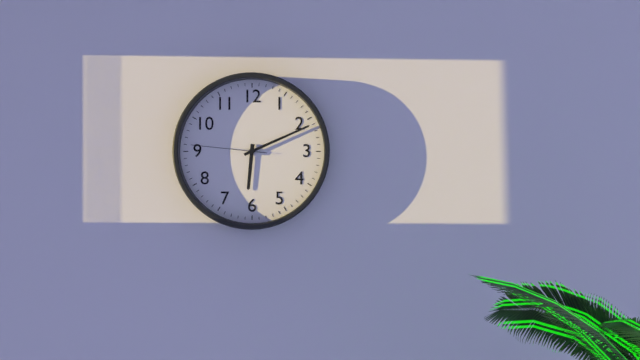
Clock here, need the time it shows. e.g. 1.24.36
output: 6.11.46
